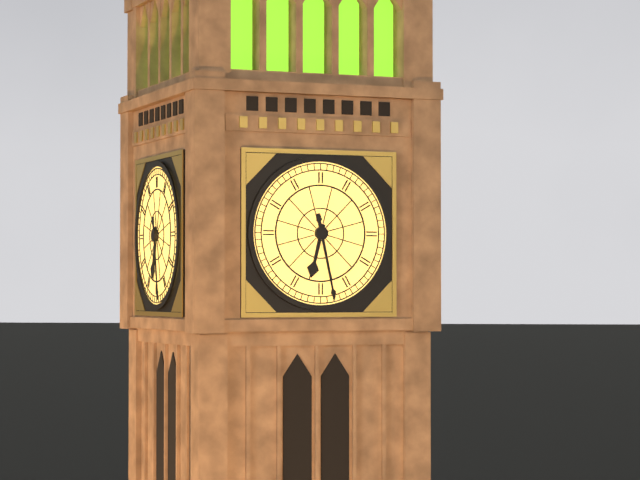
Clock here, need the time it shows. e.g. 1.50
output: 6.28
